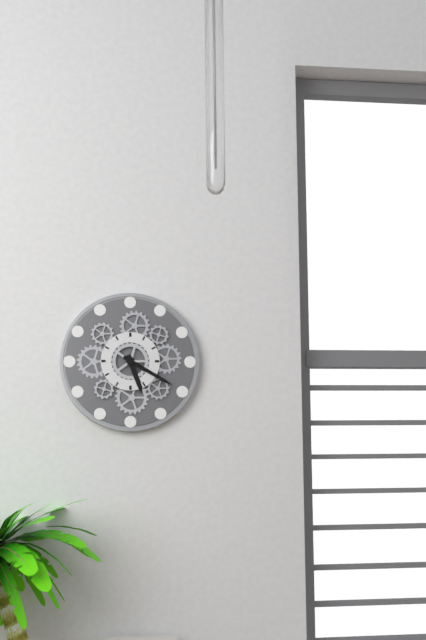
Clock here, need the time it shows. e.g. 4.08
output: 5.20
